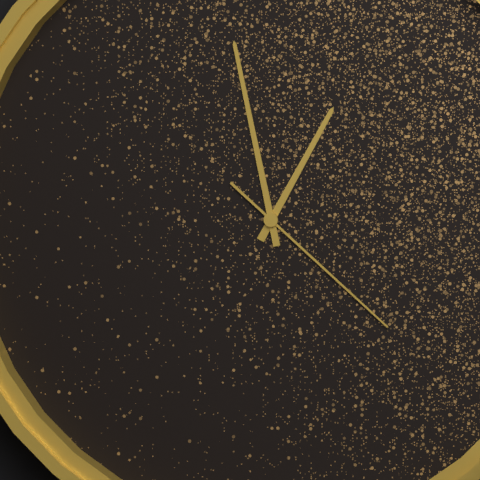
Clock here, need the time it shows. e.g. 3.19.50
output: 12.58.22
